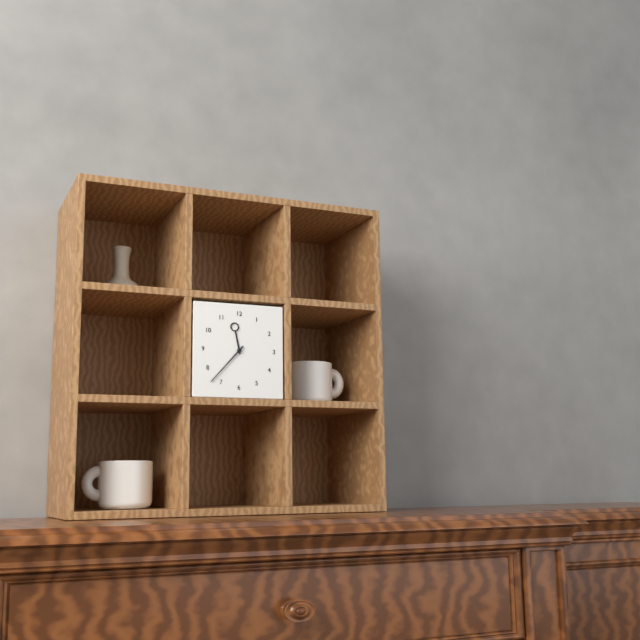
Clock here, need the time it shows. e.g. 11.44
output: 11.37
